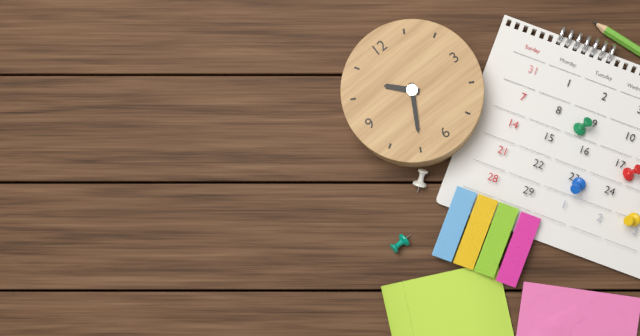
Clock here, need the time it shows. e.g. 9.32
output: 10.35
